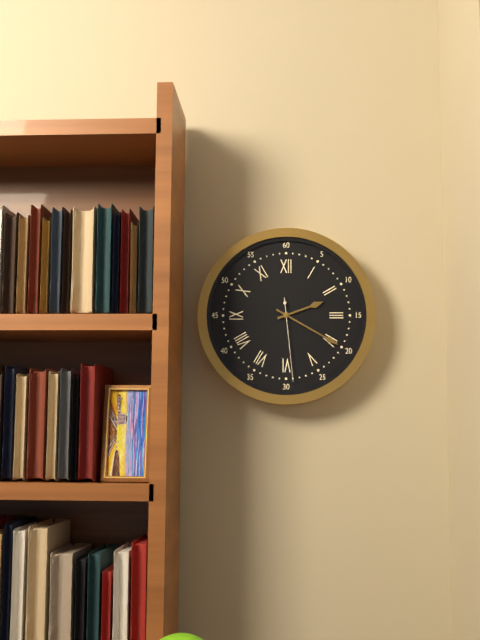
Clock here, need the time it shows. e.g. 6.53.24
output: 2.20.29
